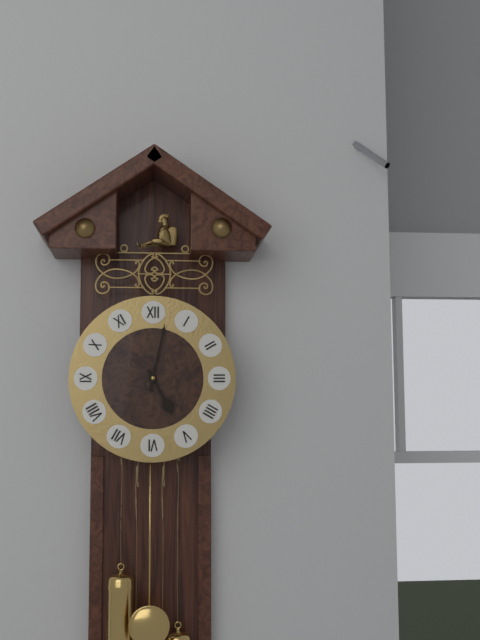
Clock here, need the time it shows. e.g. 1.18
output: 5.02
